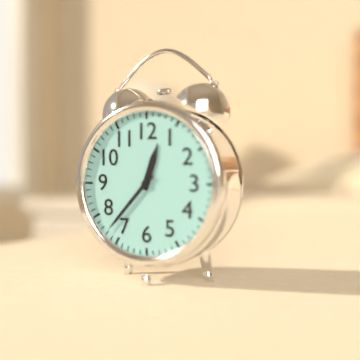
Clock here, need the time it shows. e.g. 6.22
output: 12.37
